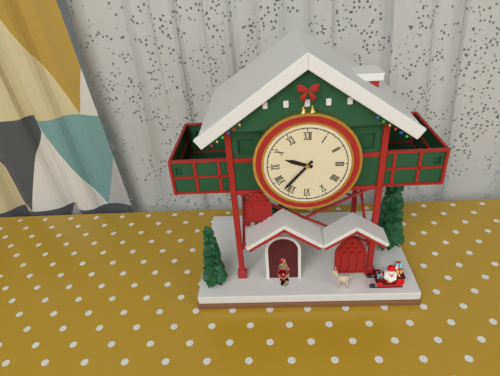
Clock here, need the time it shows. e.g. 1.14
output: 9.37
